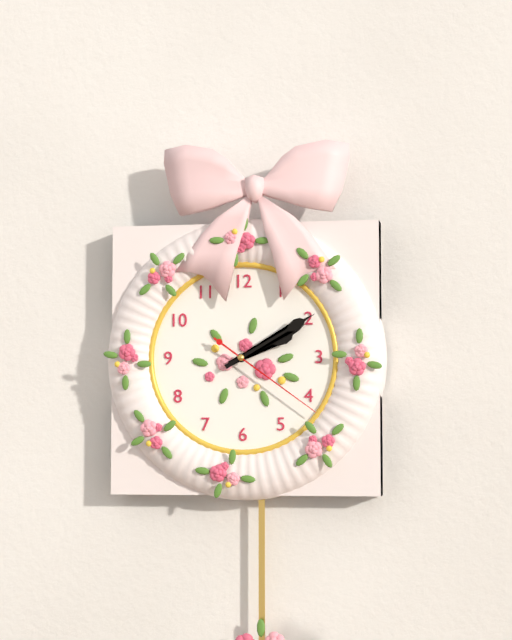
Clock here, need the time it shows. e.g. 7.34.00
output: 2.10.21
